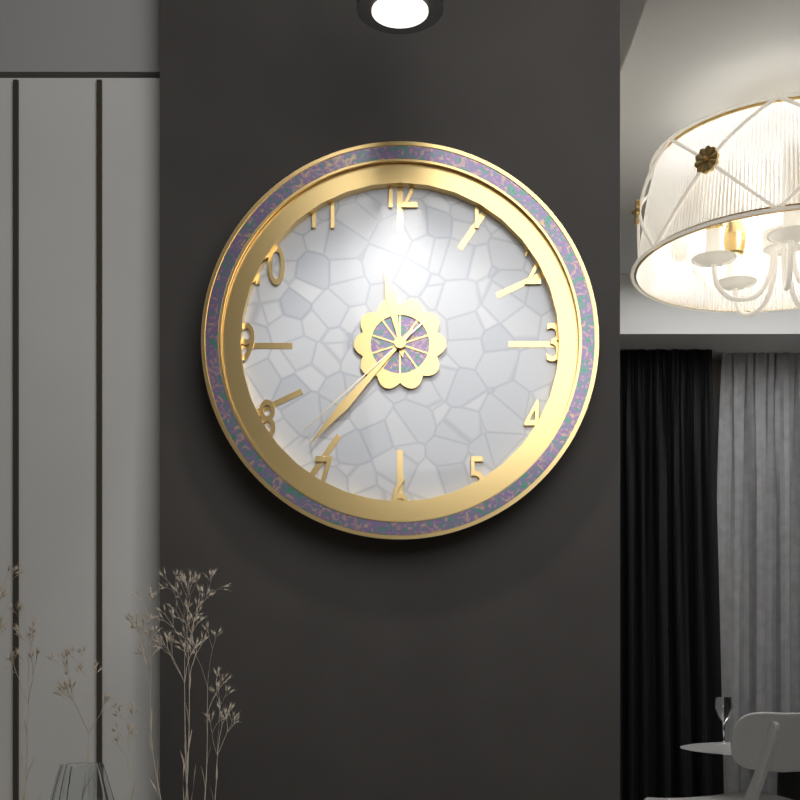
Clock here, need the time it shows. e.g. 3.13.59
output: 11.37.38
